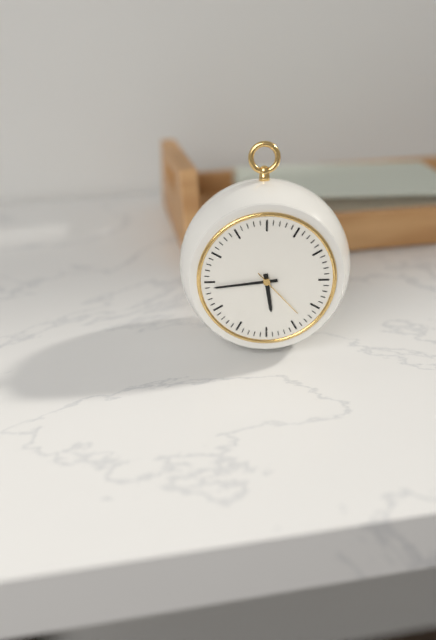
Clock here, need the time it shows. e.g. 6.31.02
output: 5.44.23
